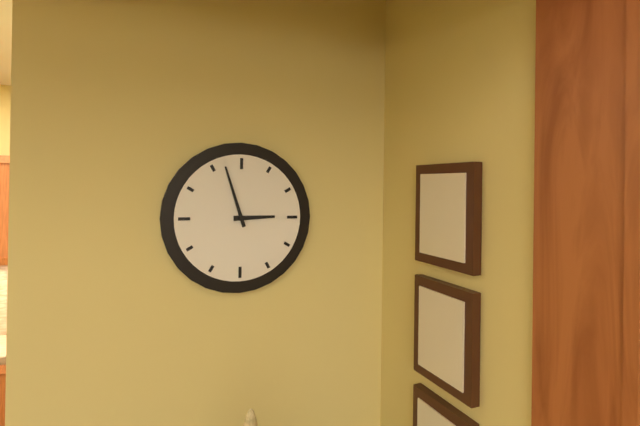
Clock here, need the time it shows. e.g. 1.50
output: 2.57
